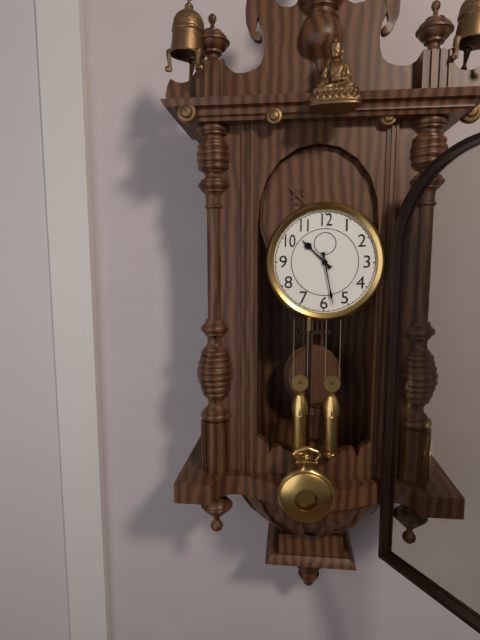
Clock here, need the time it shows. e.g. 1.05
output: 10.28
